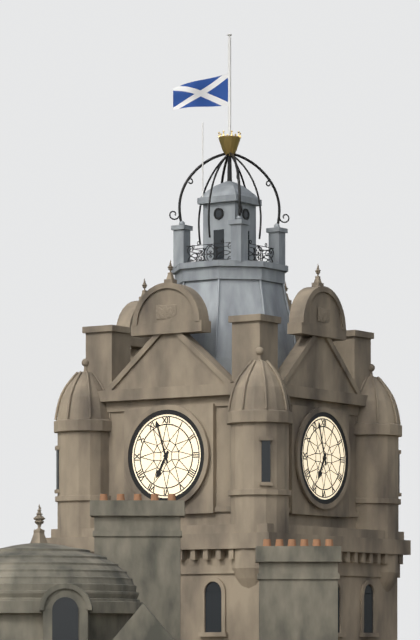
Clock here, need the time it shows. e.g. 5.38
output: 6.57
